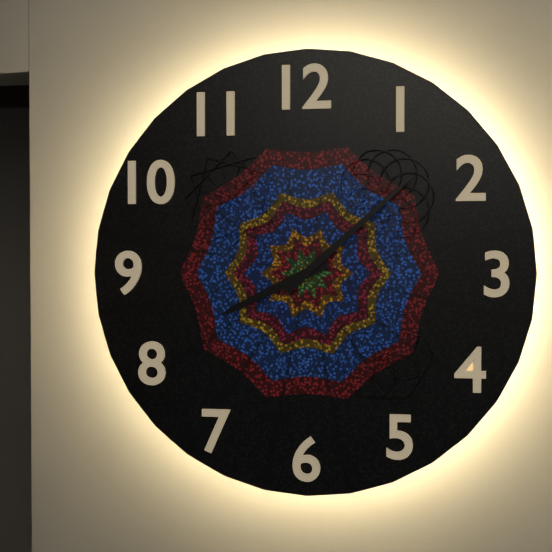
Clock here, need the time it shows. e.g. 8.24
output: 8.08
